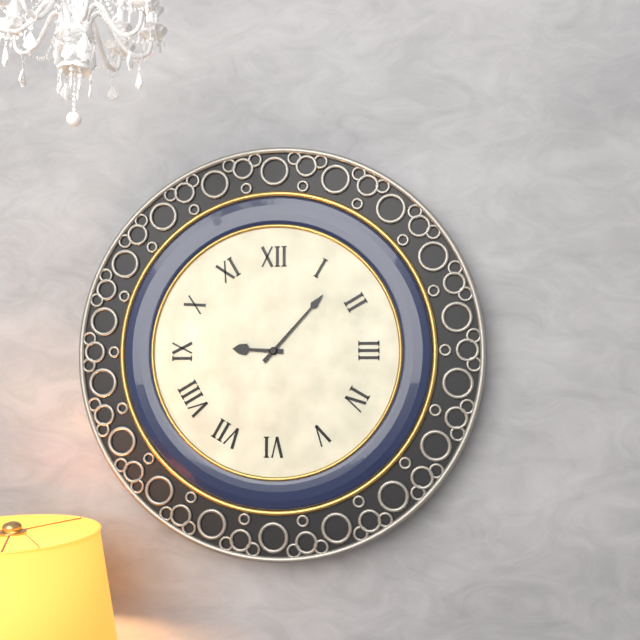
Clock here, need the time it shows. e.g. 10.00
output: 9.07
